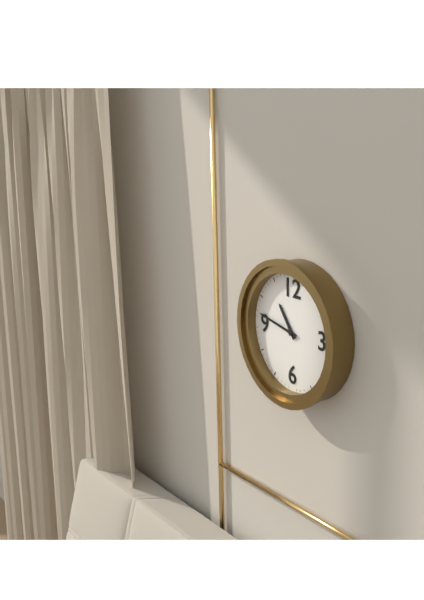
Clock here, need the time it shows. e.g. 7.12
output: 10.47
